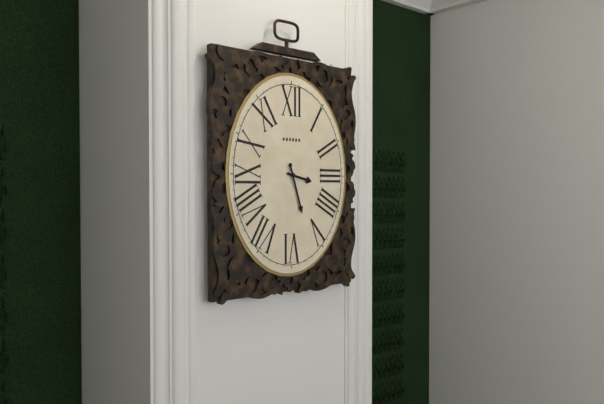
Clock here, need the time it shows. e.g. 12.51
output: 3.27
